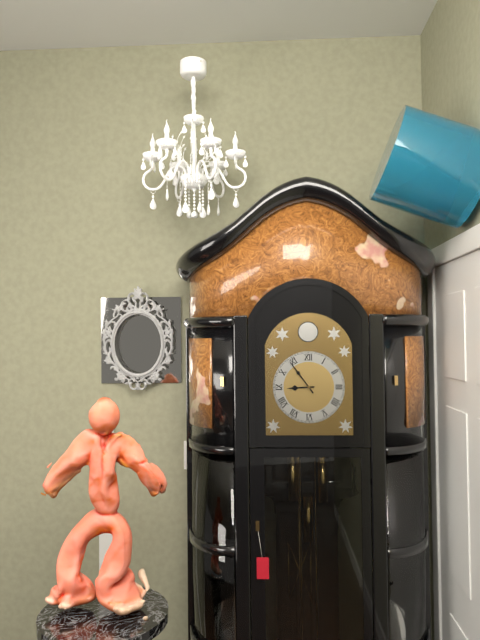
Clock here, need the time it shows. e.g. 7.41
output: 8.54
